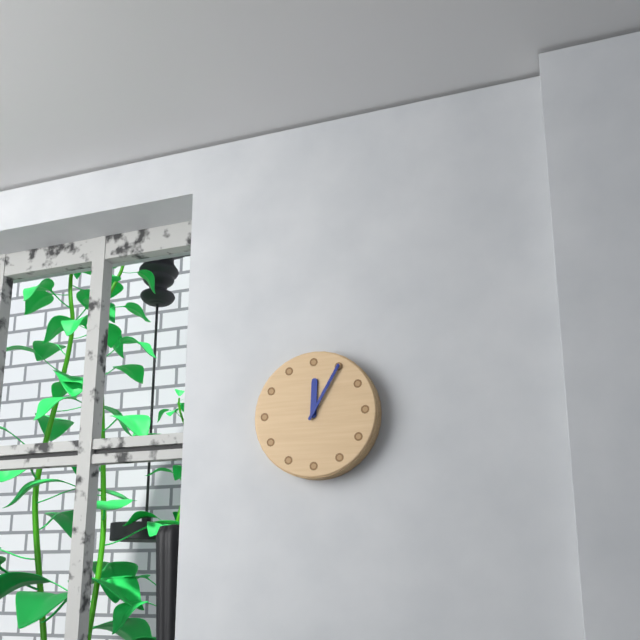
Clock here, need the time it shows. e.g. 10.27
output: 12.05
